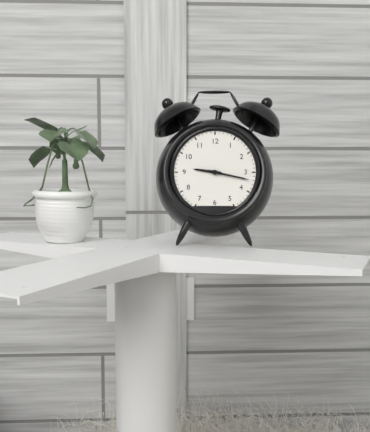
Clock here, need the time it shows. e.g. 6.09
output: 9.17
